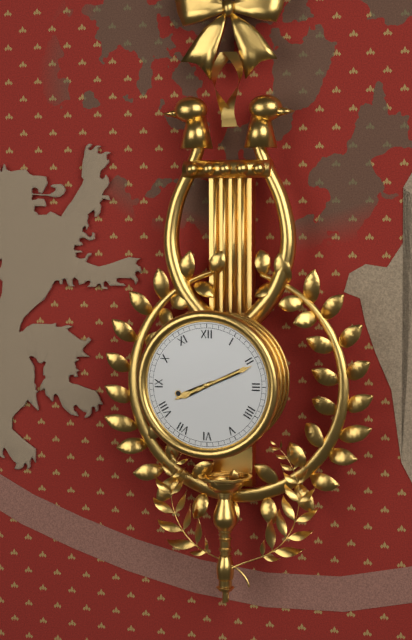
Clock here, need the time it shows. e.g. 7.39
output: 8.11
